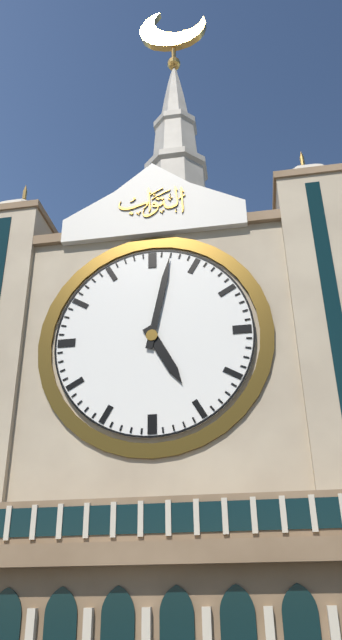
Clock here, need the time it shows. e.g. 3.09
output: 5.02
